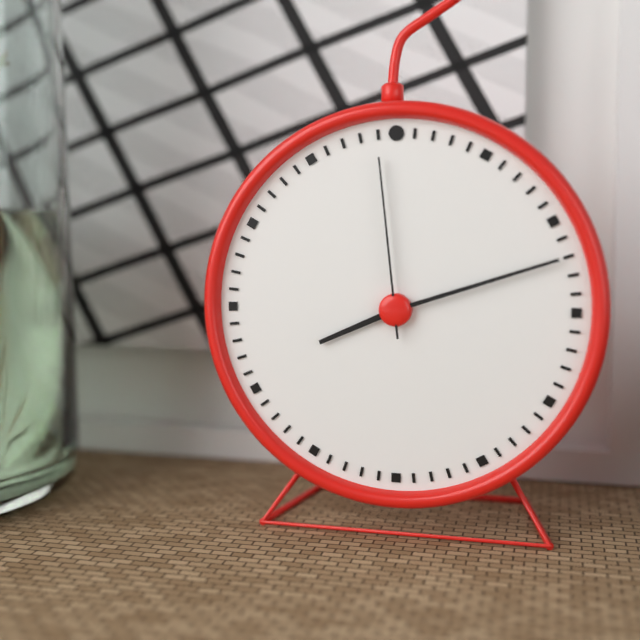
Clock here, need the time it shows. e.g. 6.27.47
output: 8.12.59
